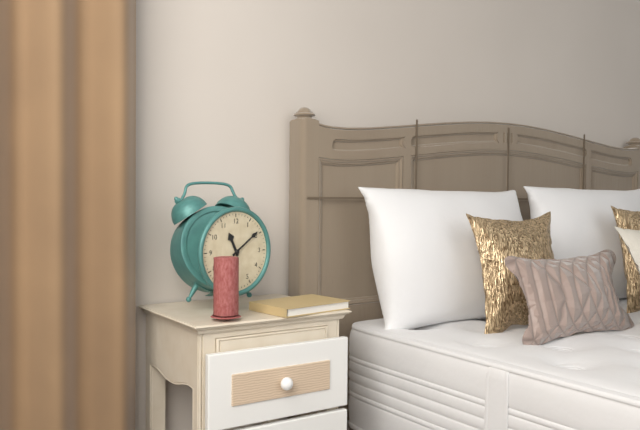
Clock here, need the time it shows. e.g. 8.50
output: 11.09
